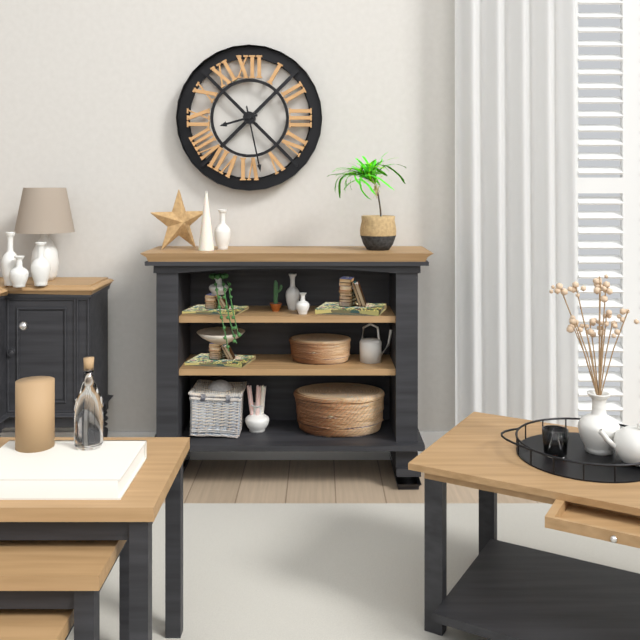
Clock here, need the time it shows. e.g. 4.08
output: 8.28
